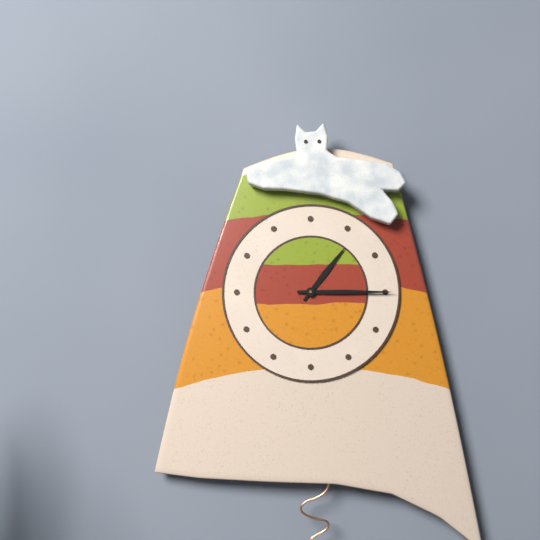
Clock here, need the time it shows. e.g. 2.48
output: 1.15
